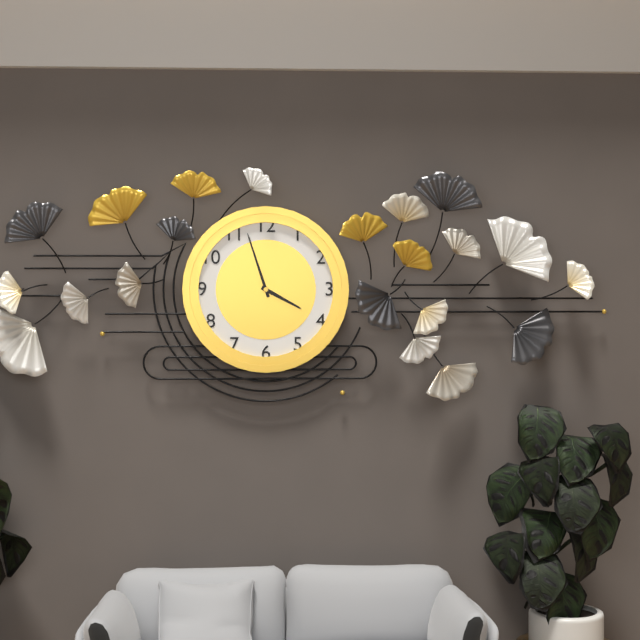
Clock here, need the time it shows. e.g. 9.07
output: 3.57
